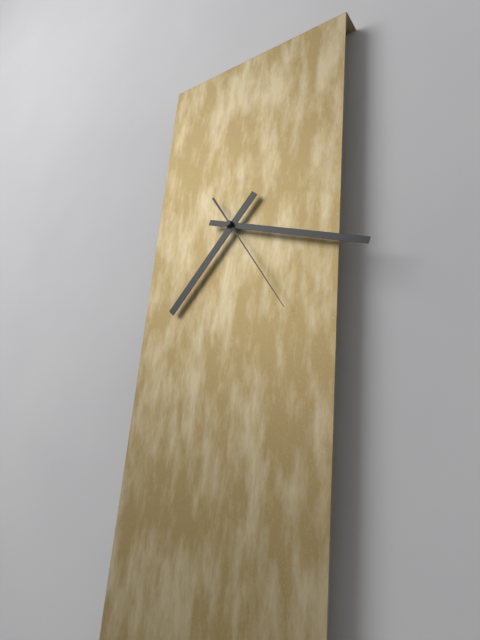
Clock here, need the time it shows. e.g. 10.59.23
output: 7.18.24
